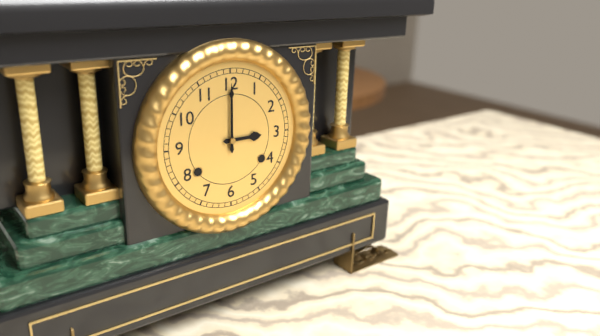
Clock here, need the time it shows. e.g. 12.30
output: 3.00
